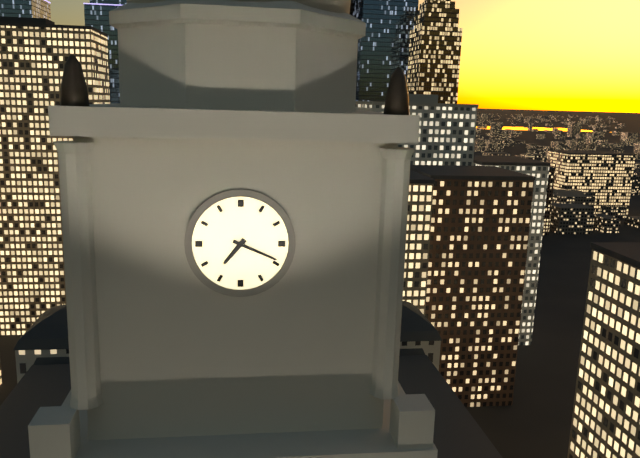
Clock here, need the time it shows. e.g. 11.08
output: 7.19
